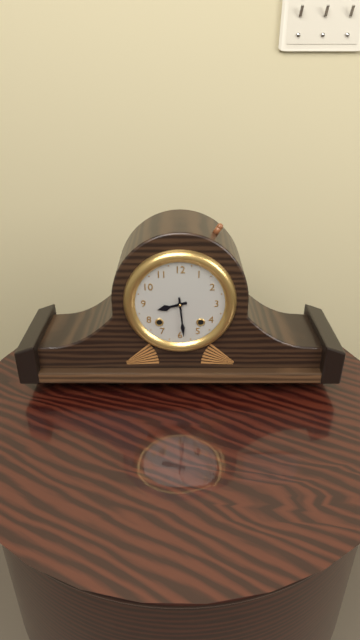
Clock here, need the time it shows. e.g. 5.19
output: 8.29
